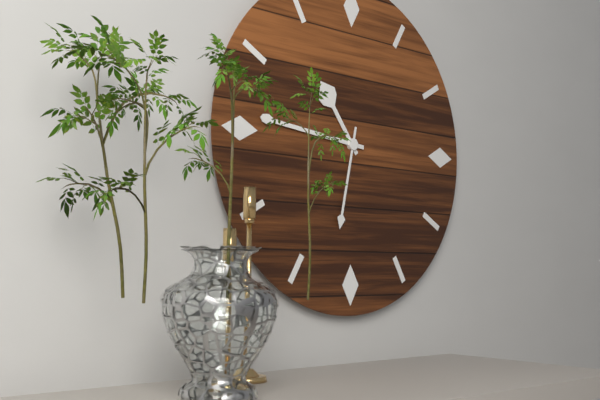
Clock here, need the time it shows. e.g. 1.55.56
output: 10.46.32
